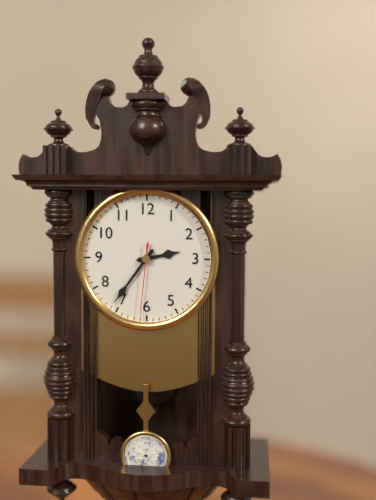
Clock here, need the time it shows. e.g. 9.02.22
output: 2.36.31
